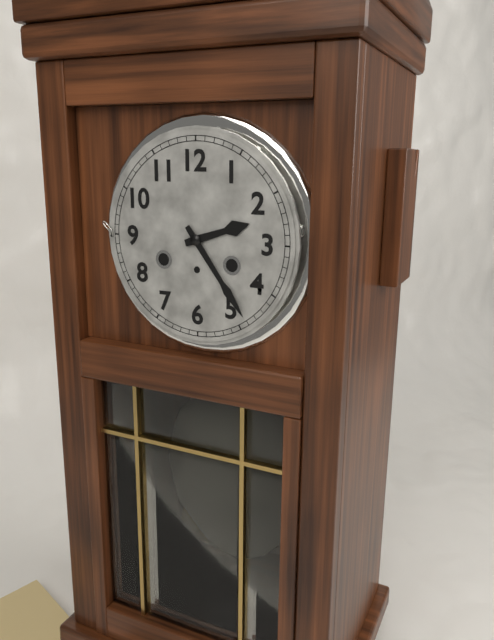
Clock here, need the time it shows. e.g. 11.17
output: 2.24
